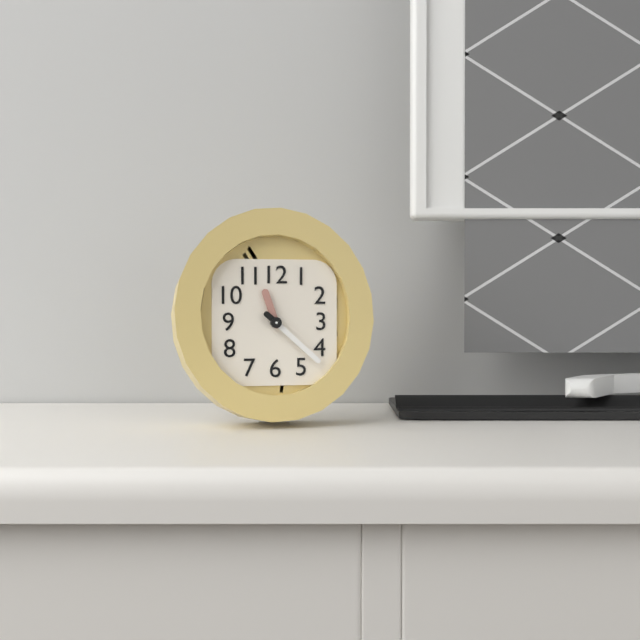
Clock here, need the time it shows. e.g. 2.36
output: 11.22
